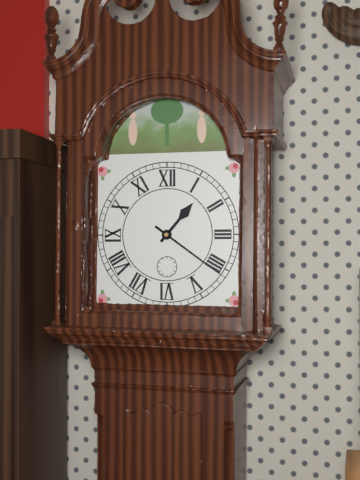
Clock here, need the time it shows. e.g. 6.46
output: 1.21
